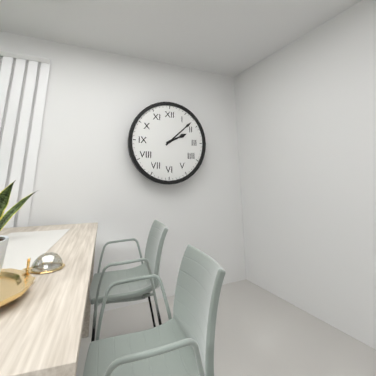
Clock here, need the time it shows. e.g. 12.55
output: 2.08
